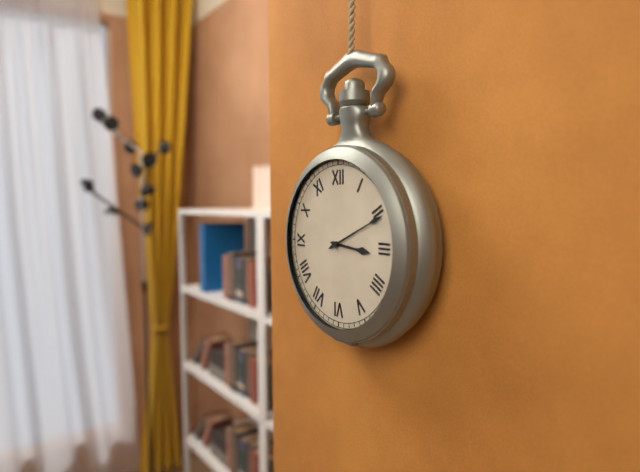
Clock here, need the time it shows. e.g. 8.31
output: 3.11
